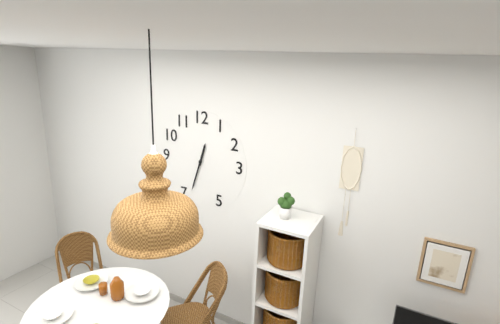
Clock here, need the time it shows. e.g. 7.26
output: 12.33
